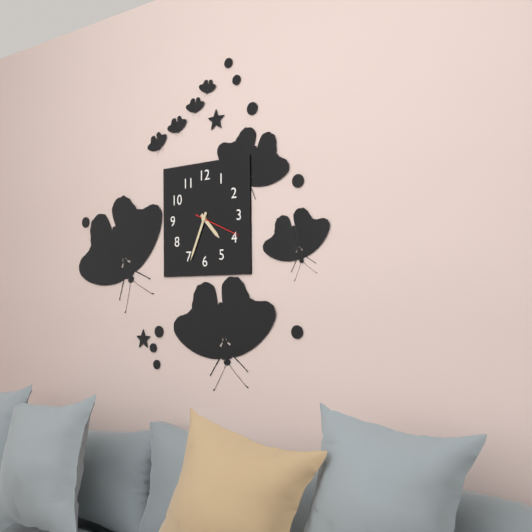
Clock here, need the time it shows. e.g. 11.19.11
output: 4.34.19
